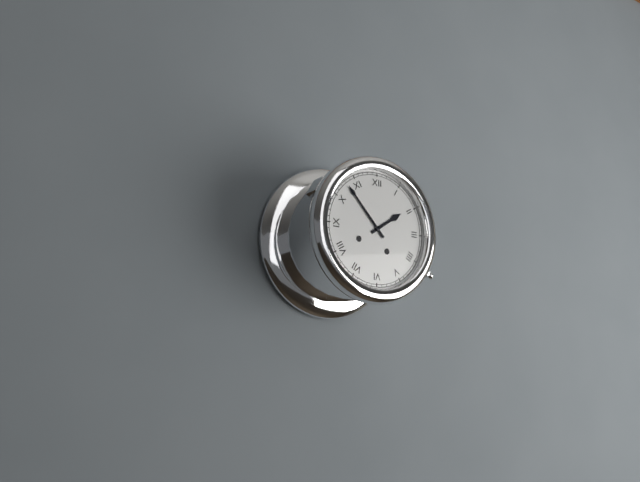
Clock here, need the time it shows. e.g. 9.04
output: 1.53
